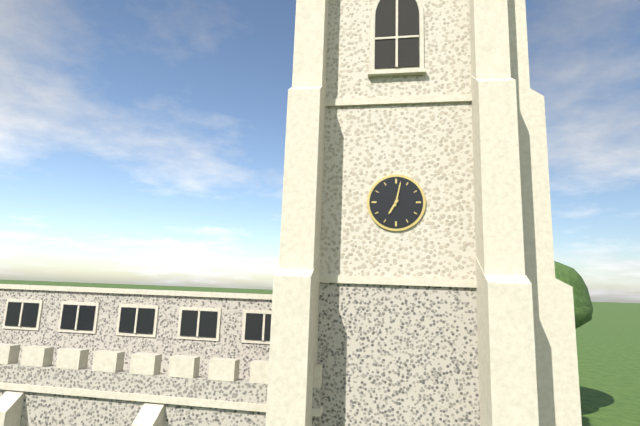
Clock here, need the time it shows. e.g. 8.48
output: 7.02
